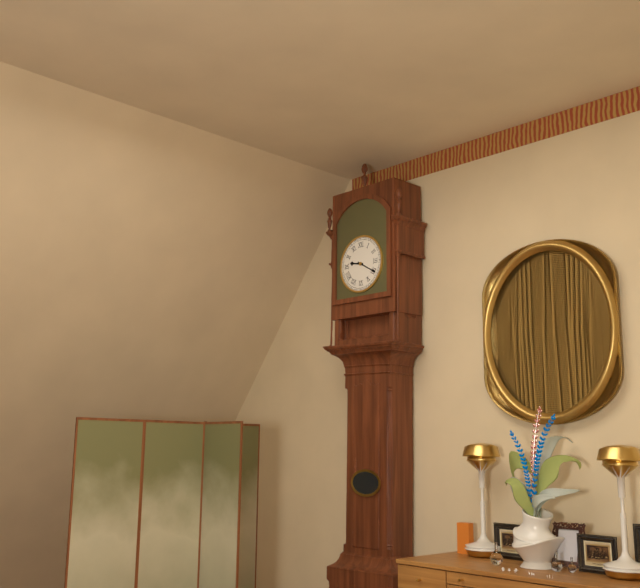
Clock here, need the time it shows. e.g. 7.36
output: 9.20
